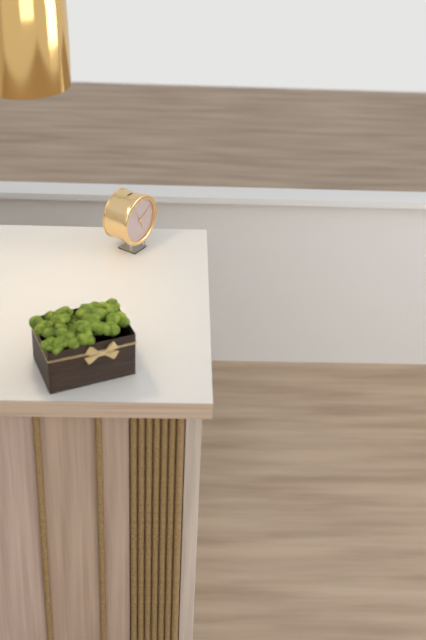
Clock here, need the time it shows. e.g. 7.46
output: 5.10
